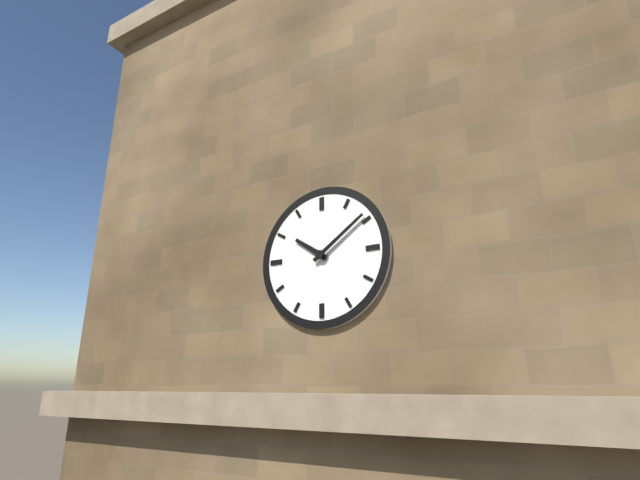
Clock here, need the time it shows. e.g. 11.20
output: 10.09
